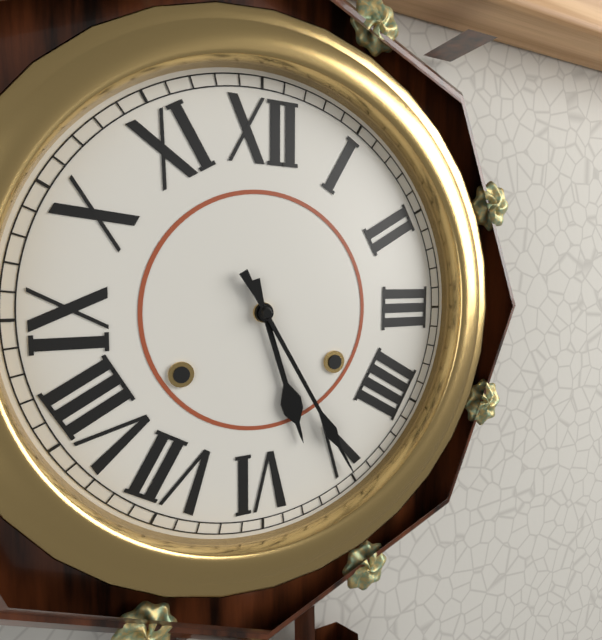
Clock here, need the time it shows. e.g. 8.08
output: 5.25
